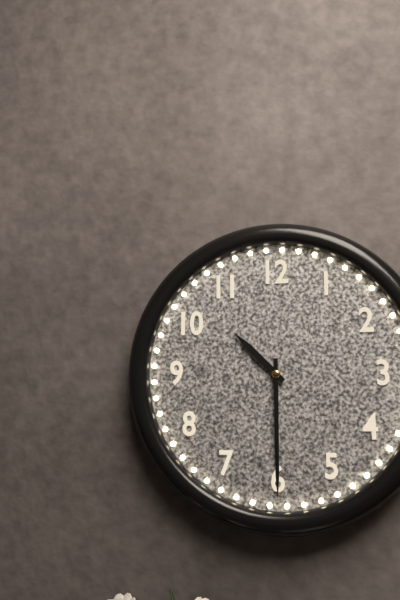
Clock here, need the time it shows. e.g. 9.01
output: 10.30
